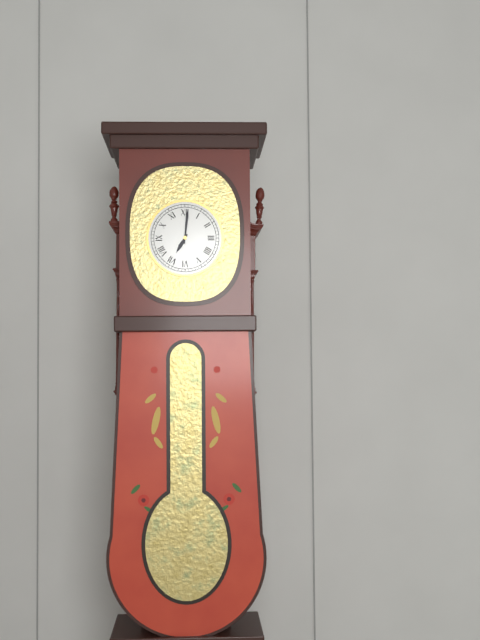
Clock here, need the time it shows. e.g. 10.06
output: 7.01
